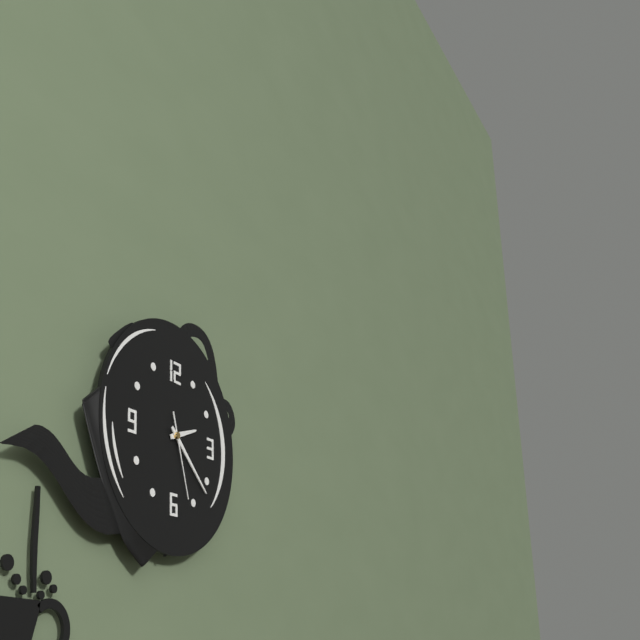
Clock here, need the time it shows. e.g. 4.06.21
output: 2.22.27
